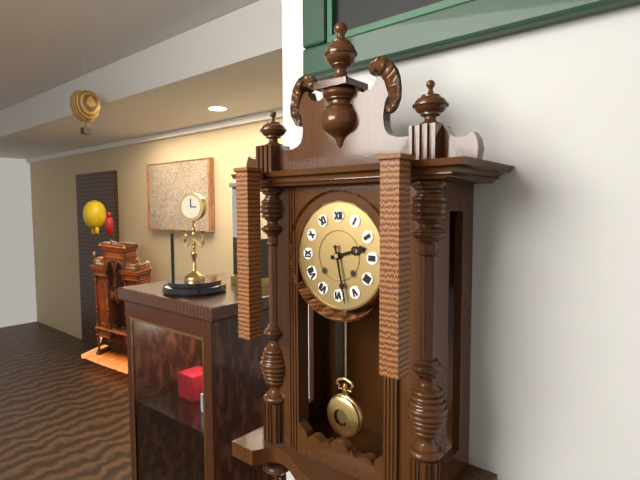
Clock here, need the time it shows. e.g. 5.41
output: 2.28
